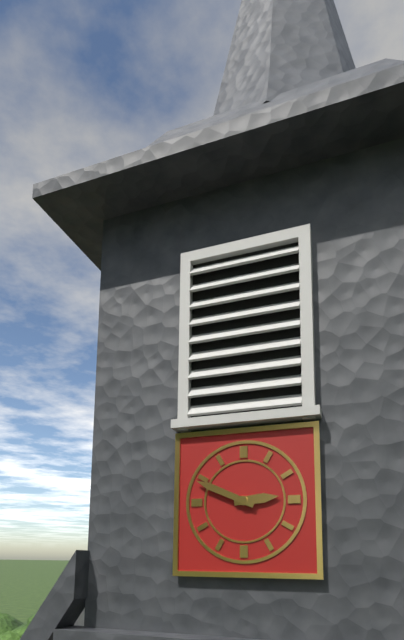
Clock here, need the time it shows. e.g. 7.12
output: 2.49
